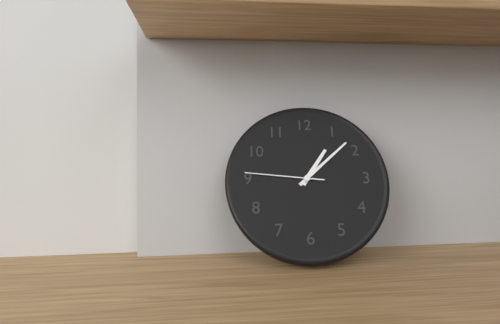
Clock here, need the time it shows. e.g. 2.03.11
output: 1.08.46
